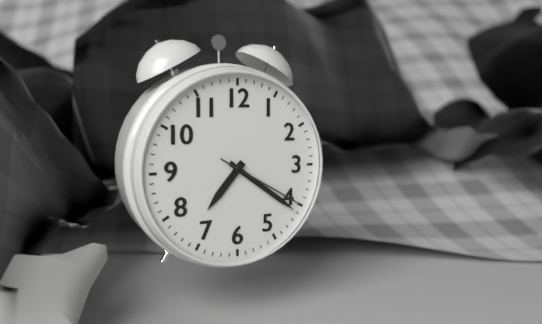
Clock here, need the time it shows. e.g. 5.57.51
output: 7.21.20
